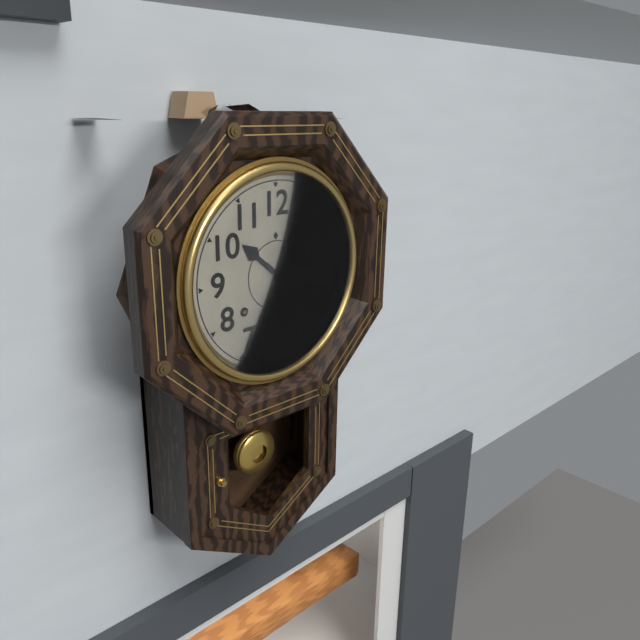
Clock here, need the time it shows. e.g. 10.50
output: 10.22
